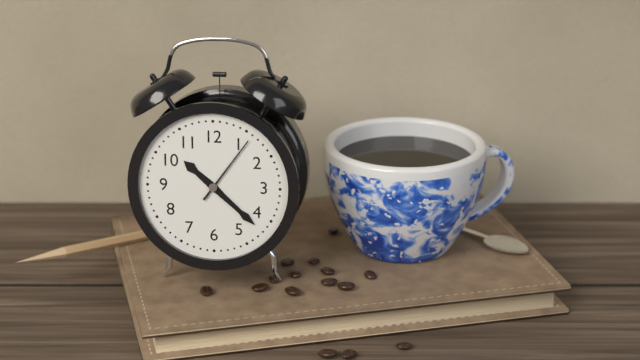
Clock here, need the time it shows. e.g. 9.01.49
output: 10.22.06
